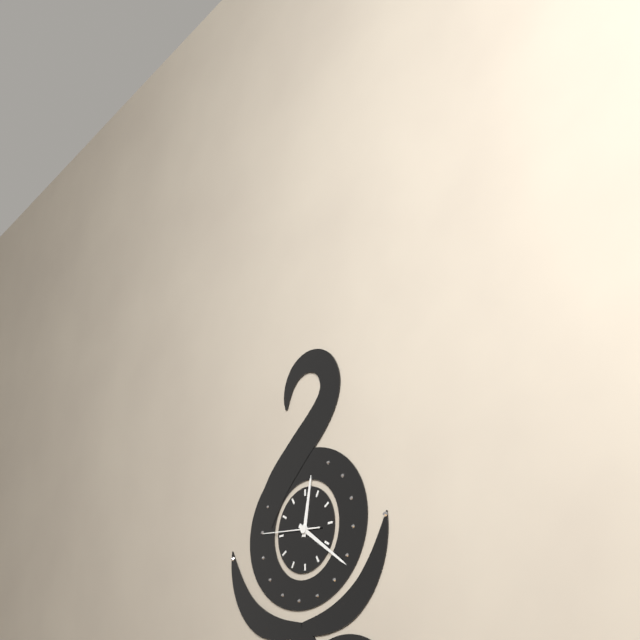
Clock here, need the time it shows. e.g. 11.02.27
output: 12.21.46
